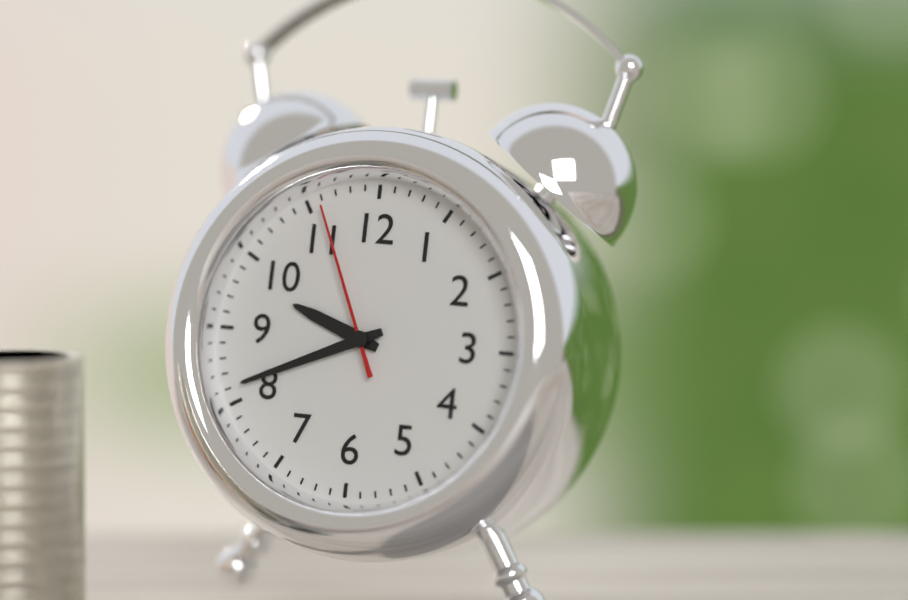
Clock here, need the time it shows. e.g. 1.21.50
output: 9.41.56
